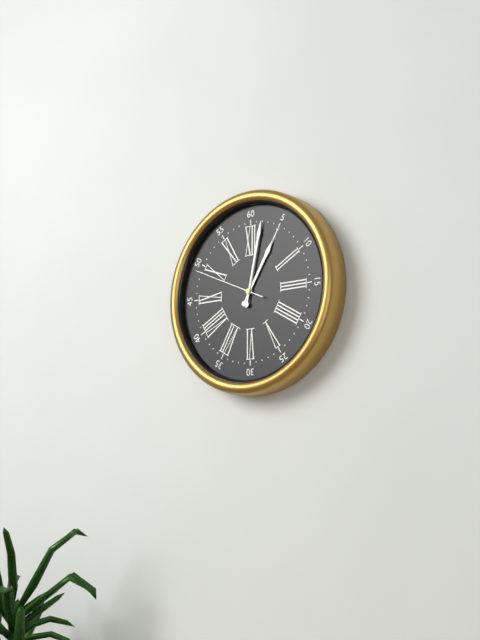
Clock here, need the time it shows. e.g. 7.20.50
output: 1.02.49
